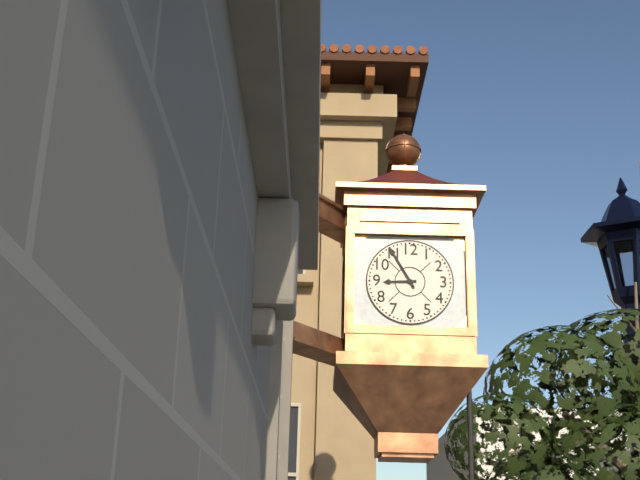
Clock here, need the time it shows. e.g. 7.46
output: 8.55
